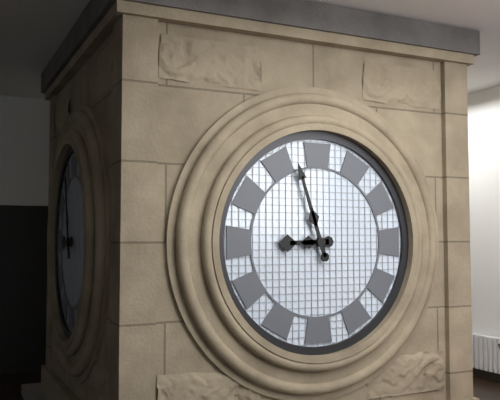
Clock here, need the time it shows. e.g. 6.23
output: 8.57
